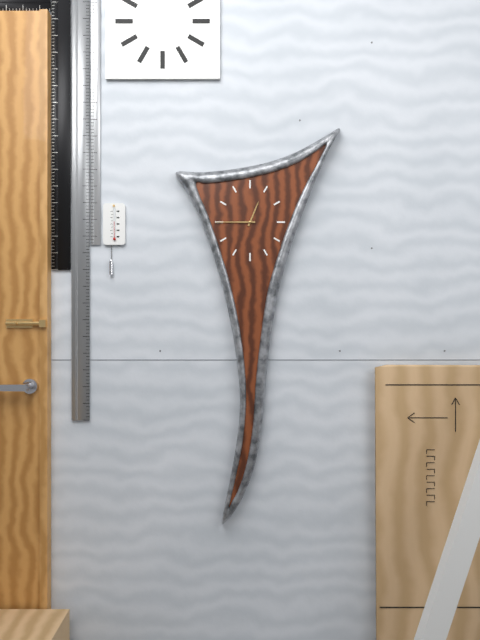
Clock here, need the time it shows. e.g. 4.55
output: 12.45
